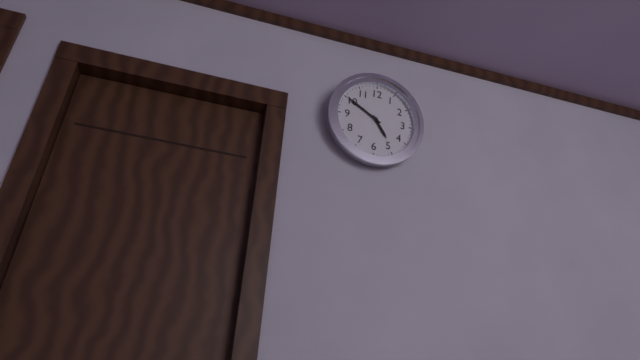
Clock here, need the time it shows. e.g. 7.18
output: 4.50
